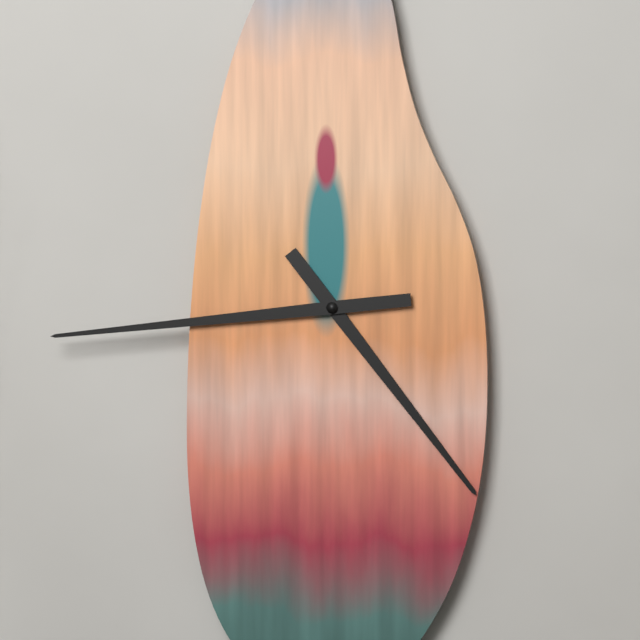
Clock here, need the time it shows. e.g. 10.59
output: 4.44
